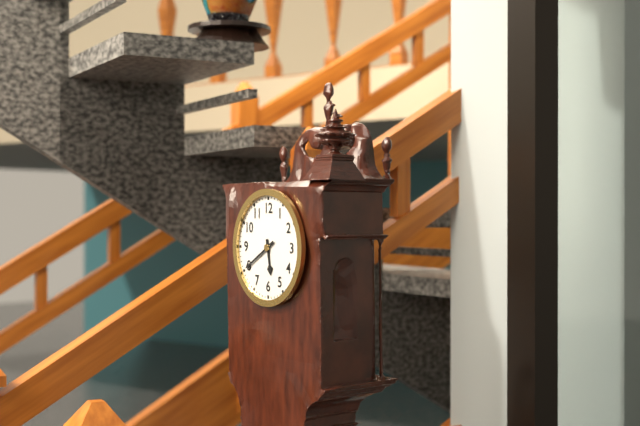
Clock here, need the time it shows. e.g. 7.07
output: 5.40
